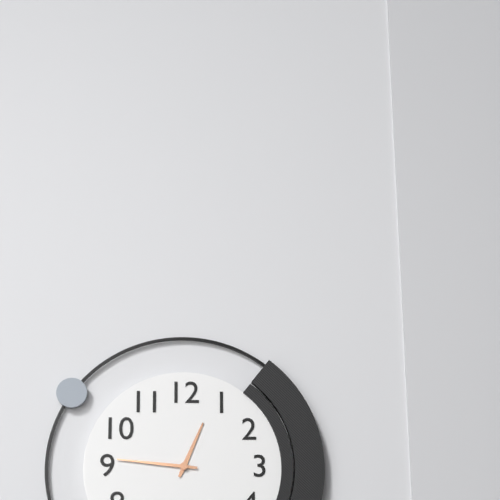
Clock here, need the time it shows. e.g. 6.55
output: 12.46
